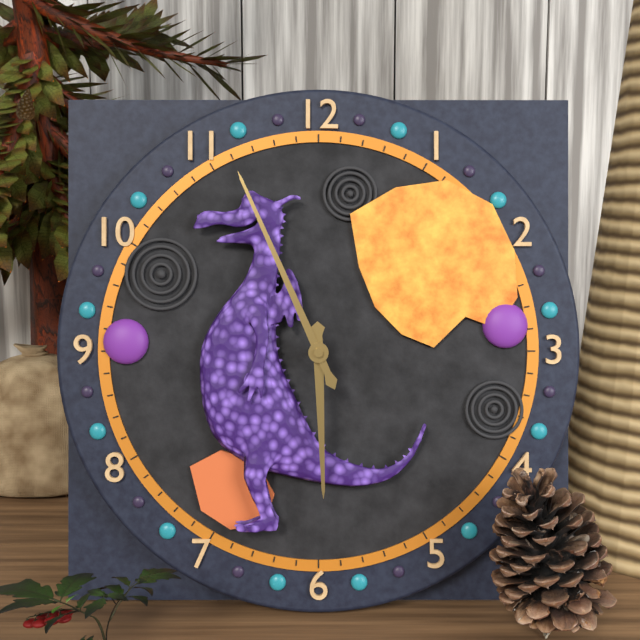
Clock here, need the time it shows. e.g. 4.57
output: 5.56
